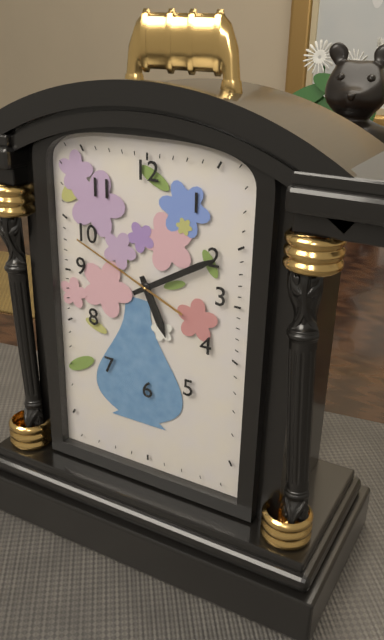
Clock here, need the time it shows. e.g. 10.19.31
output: 5.10.49
